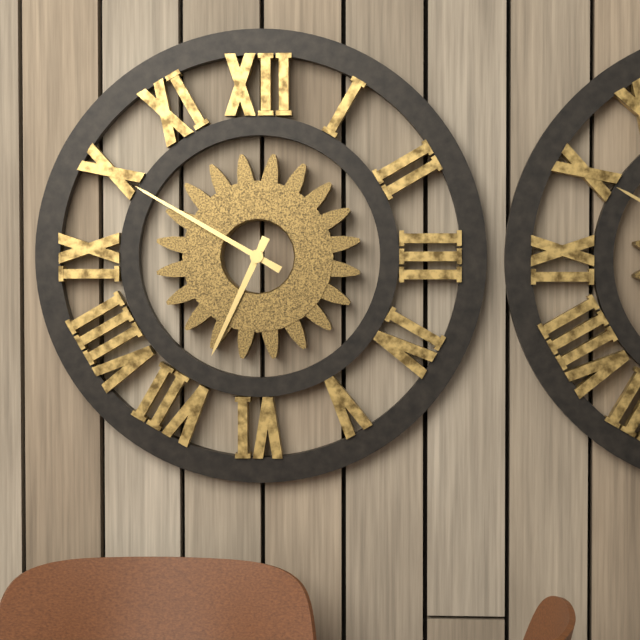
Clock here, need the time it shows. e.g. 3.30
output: 6.50
